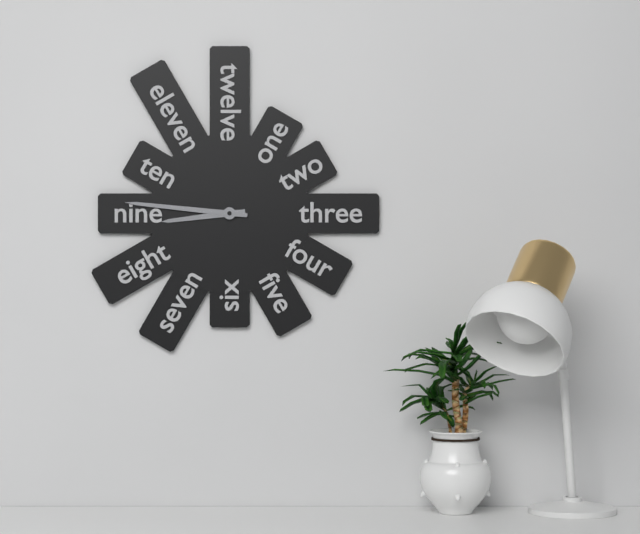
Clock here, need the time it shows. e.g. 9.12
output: 8.46
